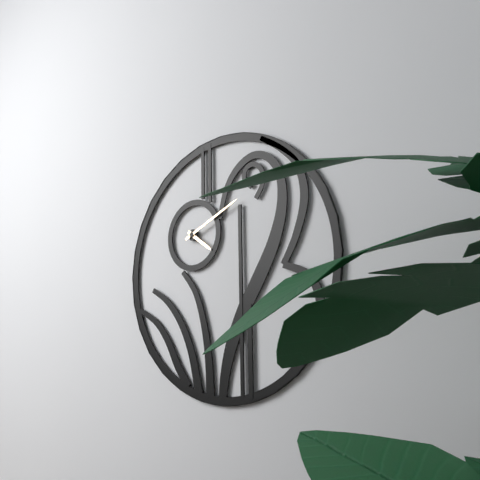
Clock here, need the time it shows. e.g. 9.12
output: 4.11
